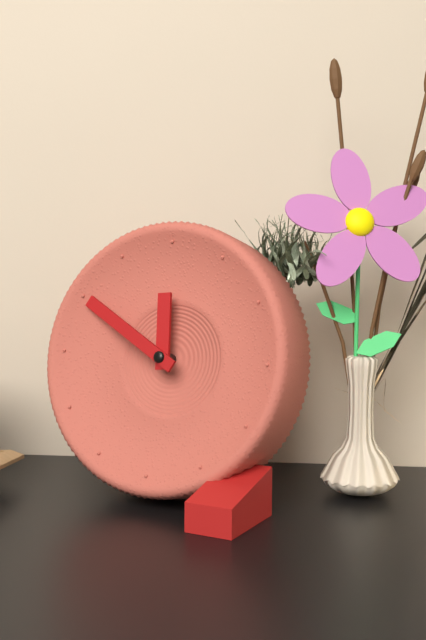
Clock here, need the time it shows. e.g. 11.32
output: 11.50
